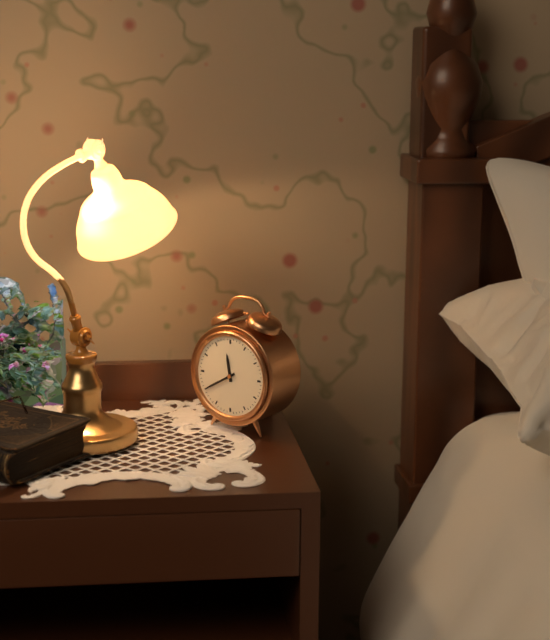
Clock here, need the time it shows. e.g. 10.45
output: 11.40
